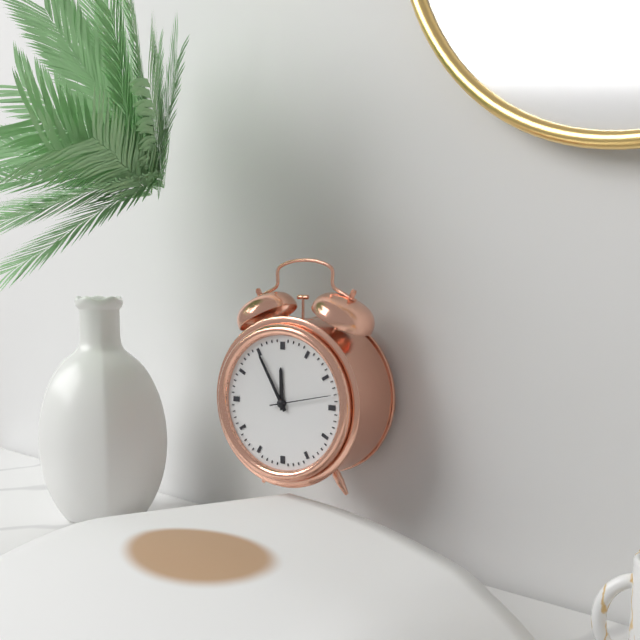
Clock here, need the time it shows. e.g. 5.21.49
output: 11.55.13
